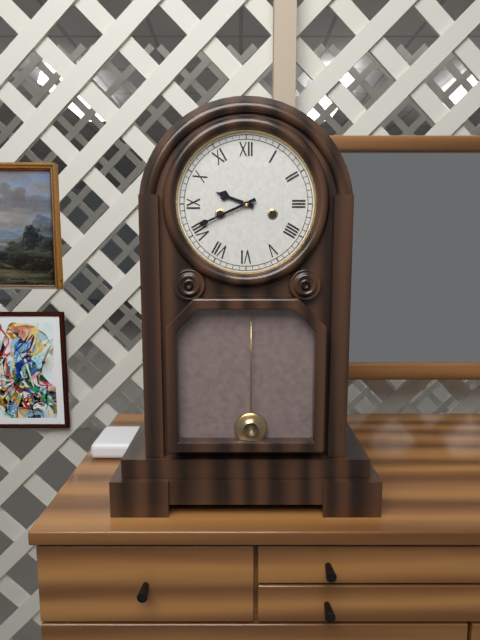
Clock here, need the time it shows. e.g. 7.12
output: 9.41
